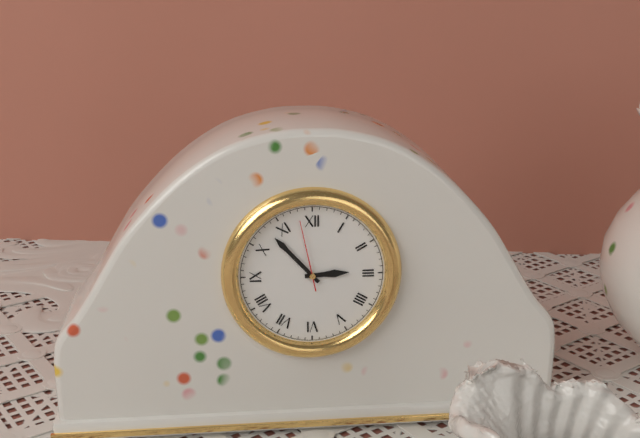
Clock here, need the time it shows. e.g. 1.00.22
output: 2.53.58
